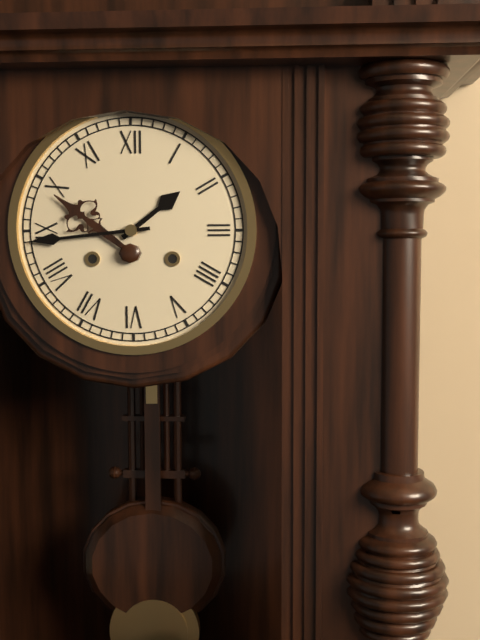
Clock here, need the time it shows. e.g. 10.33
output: 1.44
